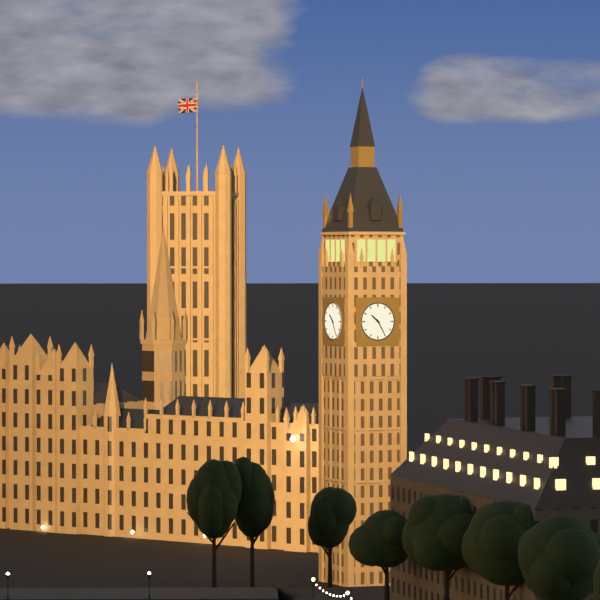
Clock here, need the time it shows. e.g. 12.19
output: 10.25
